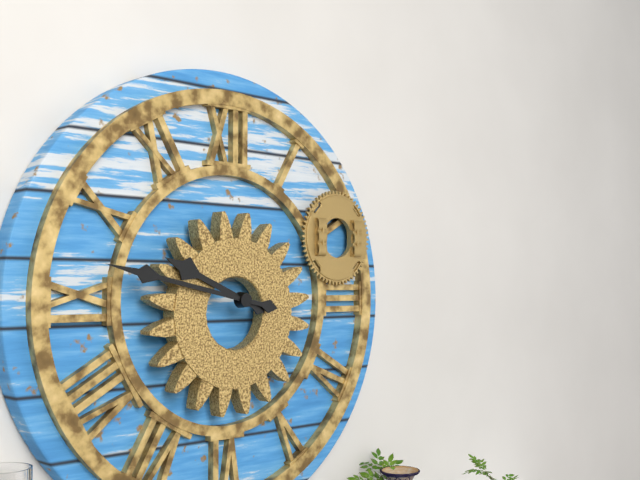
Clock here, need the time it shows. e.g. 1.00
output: 9.47
